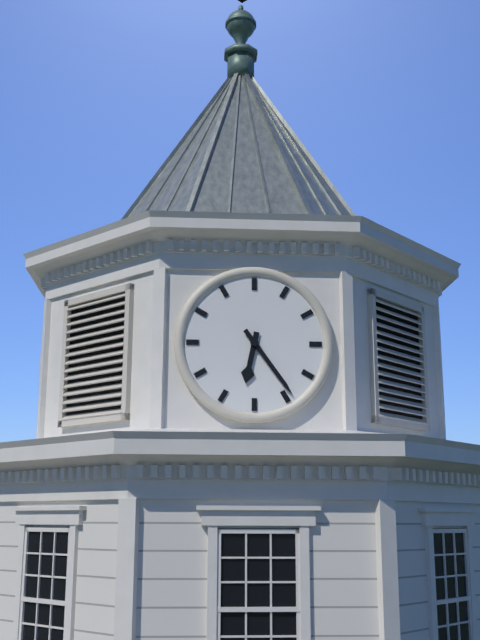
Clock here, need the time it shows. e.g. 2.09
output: 6.24
